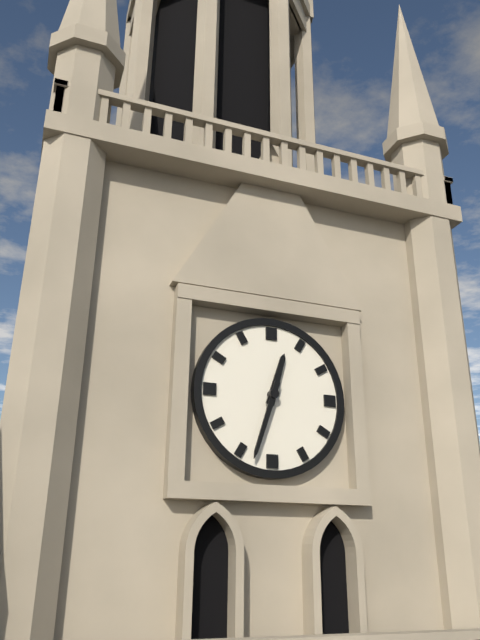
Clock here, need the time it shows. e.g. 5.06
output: 12.33
